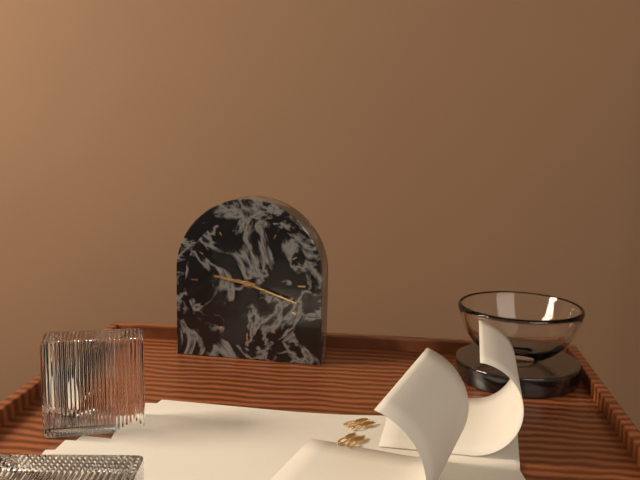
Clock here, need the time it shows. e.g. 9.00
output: 9.18
